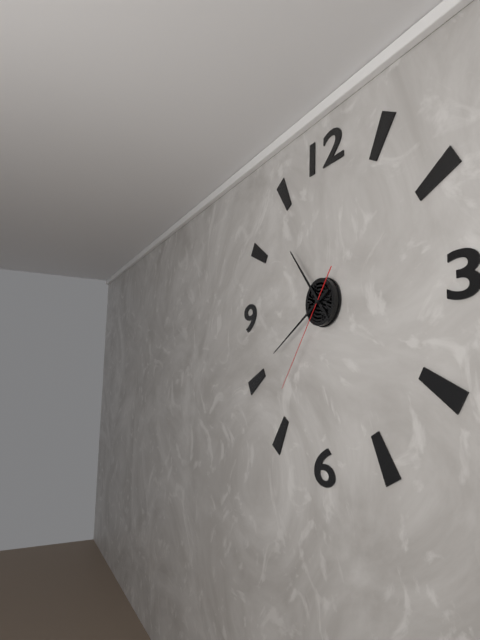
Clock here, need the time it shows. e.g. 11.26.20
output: 10.40.36
